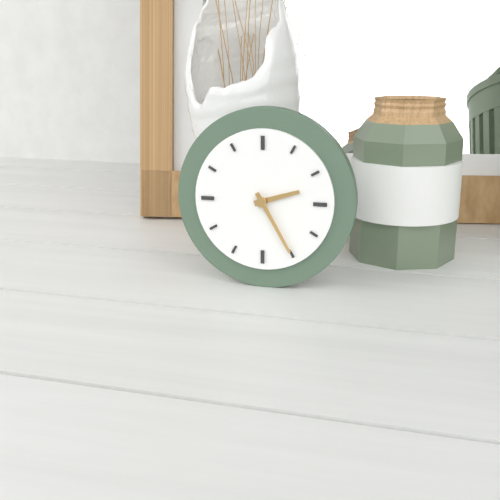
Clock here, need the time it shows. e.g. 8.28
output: 2.25
